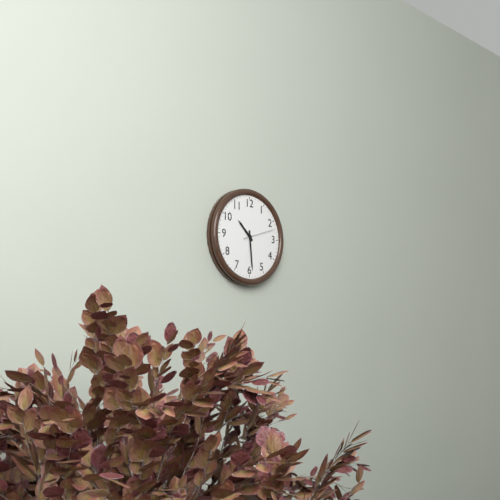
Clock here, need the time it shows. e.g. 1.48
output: 10.29
